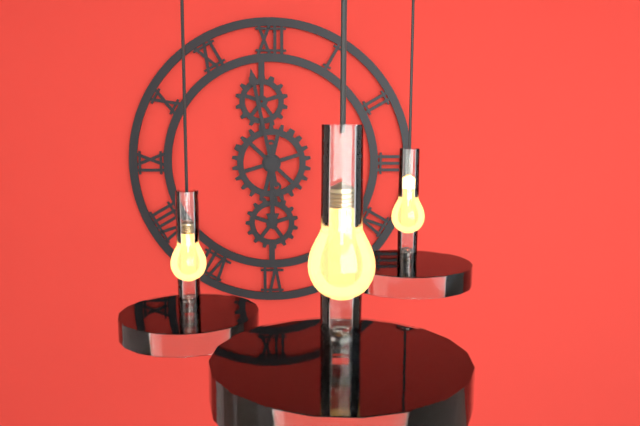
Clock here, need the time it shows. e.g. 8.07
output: 5.58
